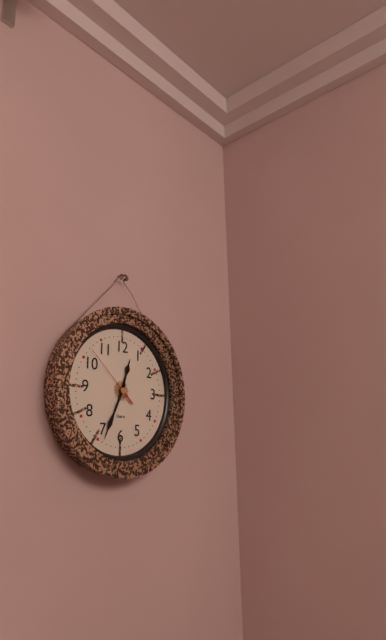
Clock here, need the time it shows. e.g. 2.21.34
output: 12.34.52
